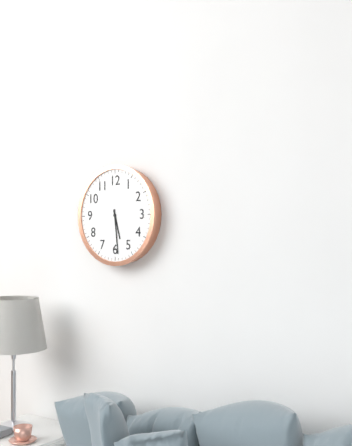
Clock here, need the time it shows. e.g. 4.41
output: 5.29
